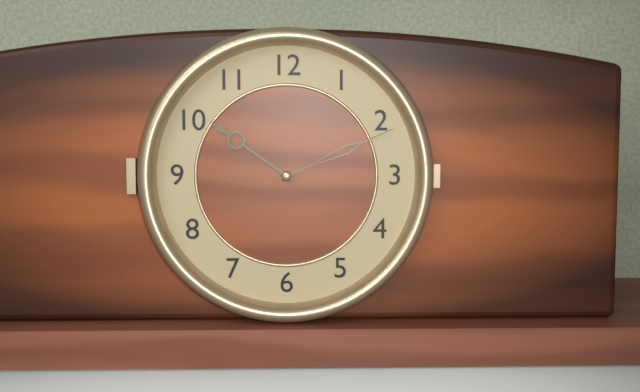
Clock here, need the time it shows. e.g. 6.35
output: 10.11
